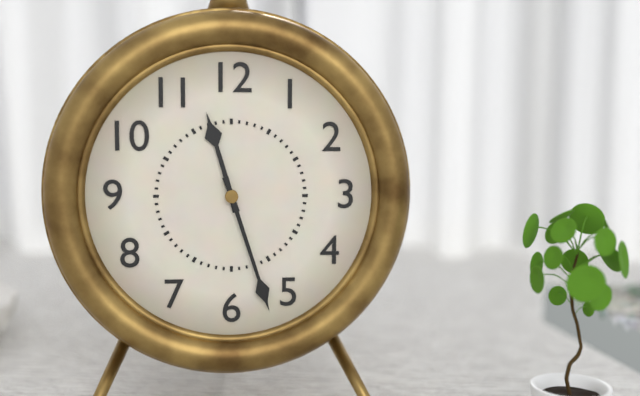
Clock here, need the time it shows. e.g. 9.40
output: 11.27
